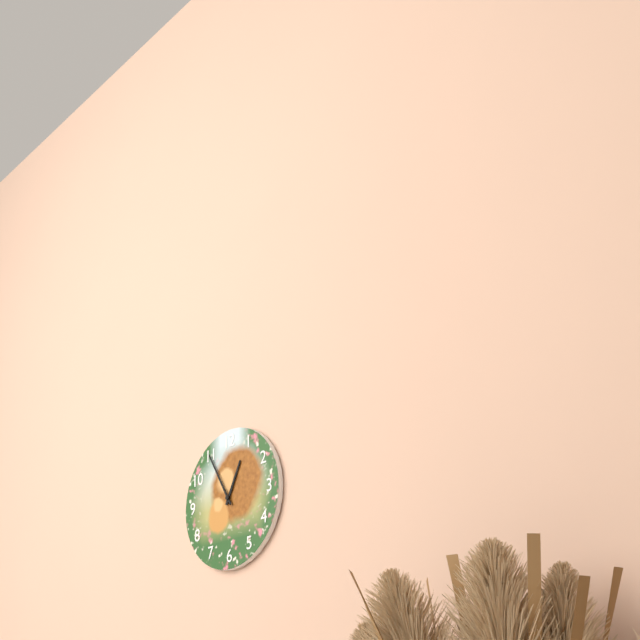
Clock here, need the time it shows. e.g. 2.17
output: 12.55
